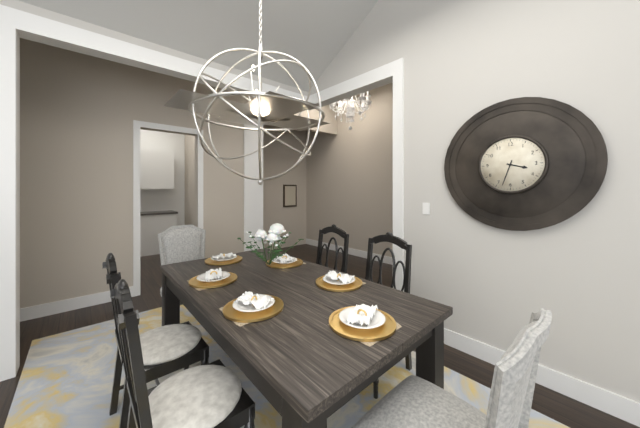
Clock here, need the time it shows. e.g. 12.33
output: 3.33
